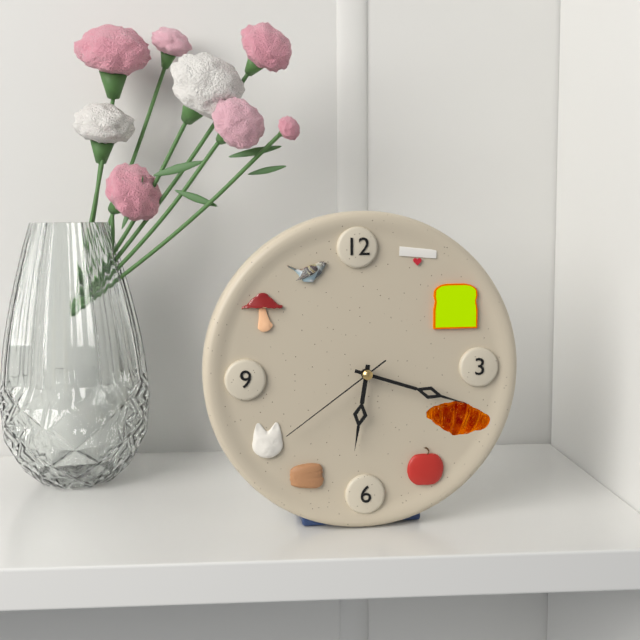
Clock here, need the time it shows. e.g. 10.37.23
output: 6.18.39
